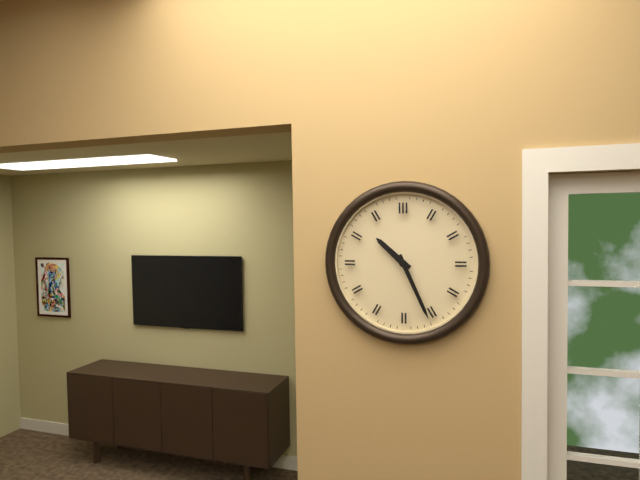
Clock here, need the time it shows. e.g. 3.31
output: 10.26
